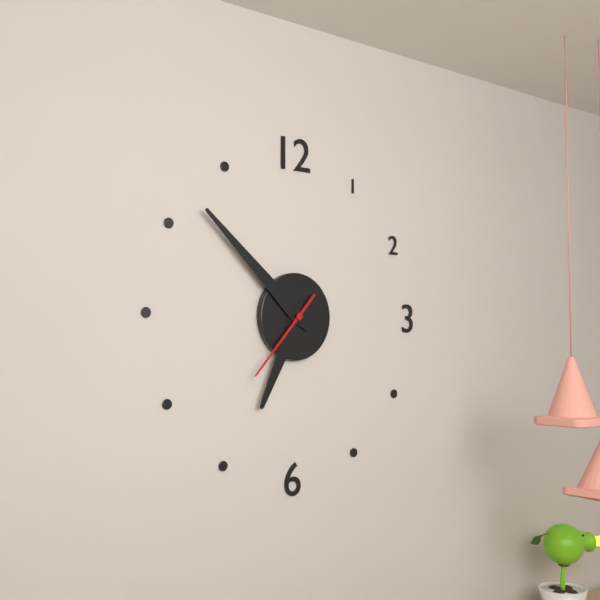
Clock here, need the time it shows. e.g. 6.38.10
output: 6.52.37
